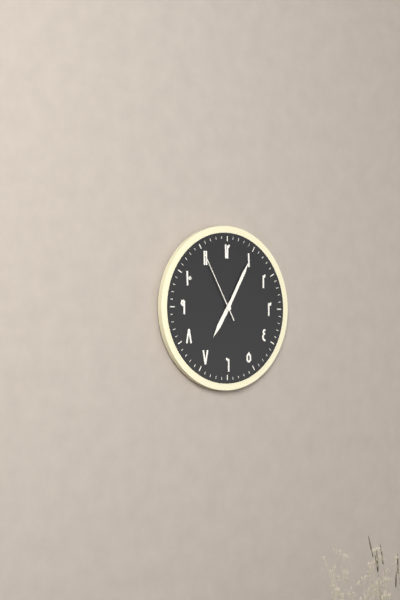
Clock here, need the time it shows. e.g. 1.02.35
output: 7.05.55
